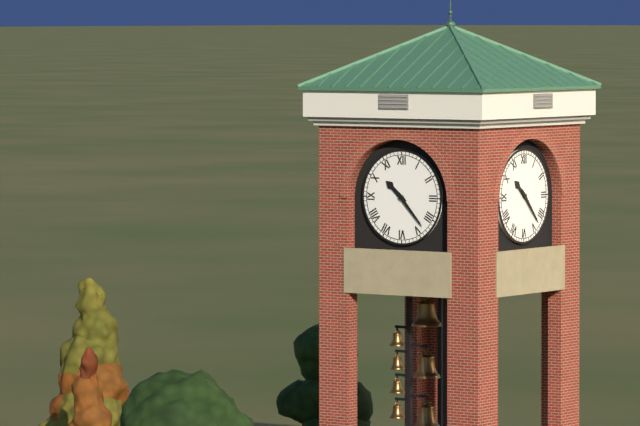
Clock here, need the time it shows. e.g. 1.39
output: 10.23
